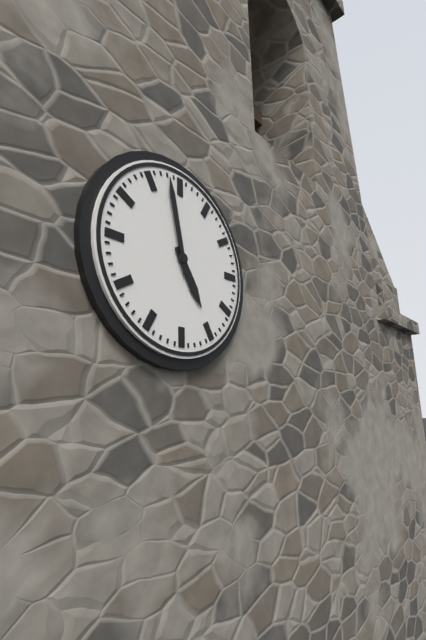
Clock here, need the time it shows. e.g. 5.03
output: 4.58
